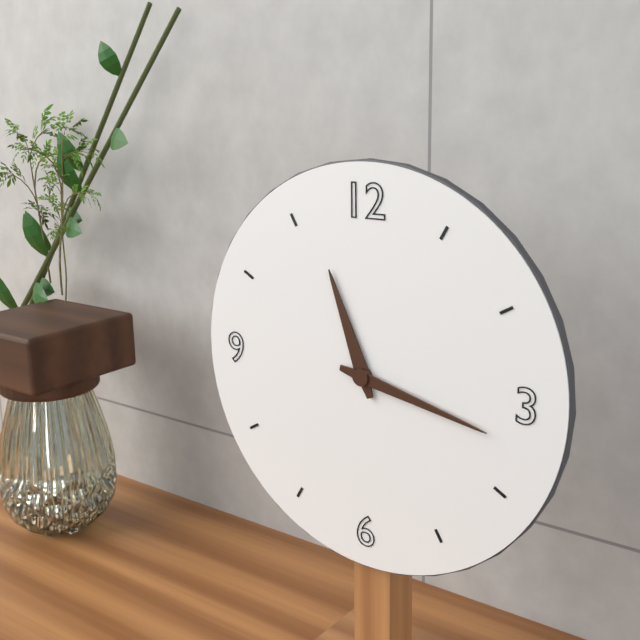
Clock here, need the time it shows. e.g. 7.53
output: 11.17
